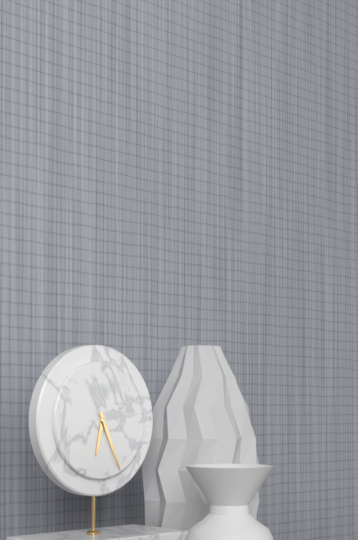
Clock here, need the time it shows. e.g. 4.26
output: 6.26
